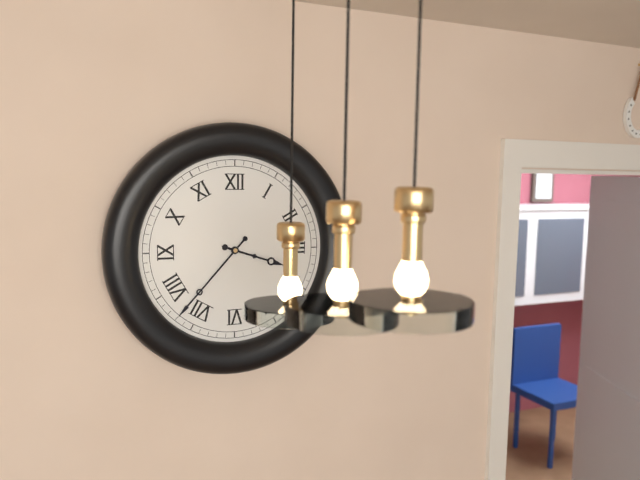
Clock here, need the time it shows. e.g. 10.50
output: 3.37
